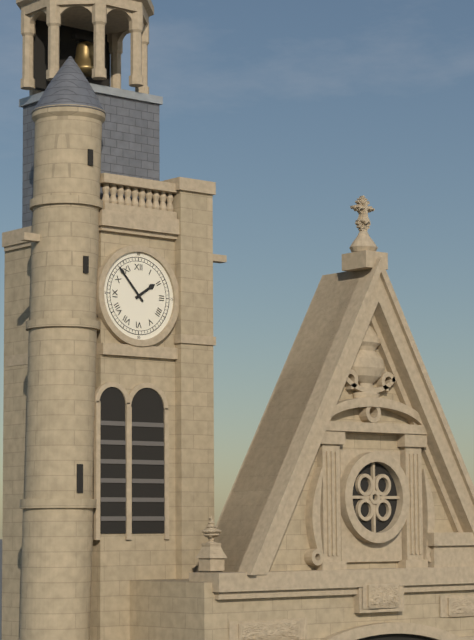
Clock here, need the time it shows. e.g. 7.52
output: 1.53
